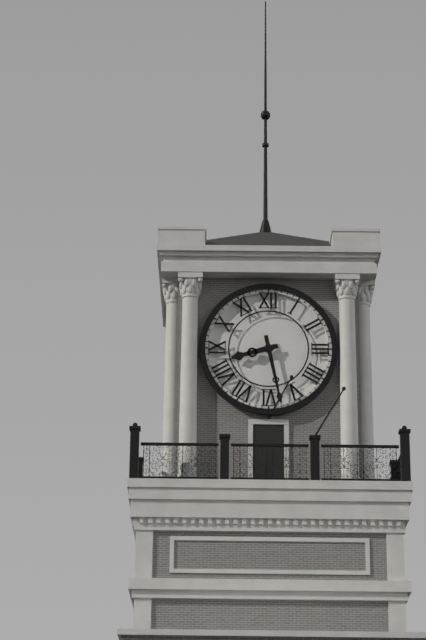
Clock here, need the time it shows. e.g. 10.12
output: 8.28
